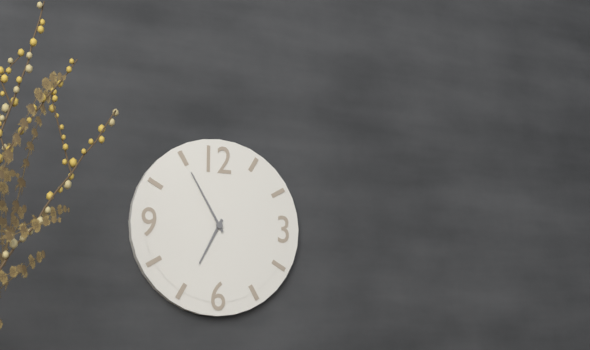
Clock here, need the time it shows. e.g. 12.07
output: 6.55
